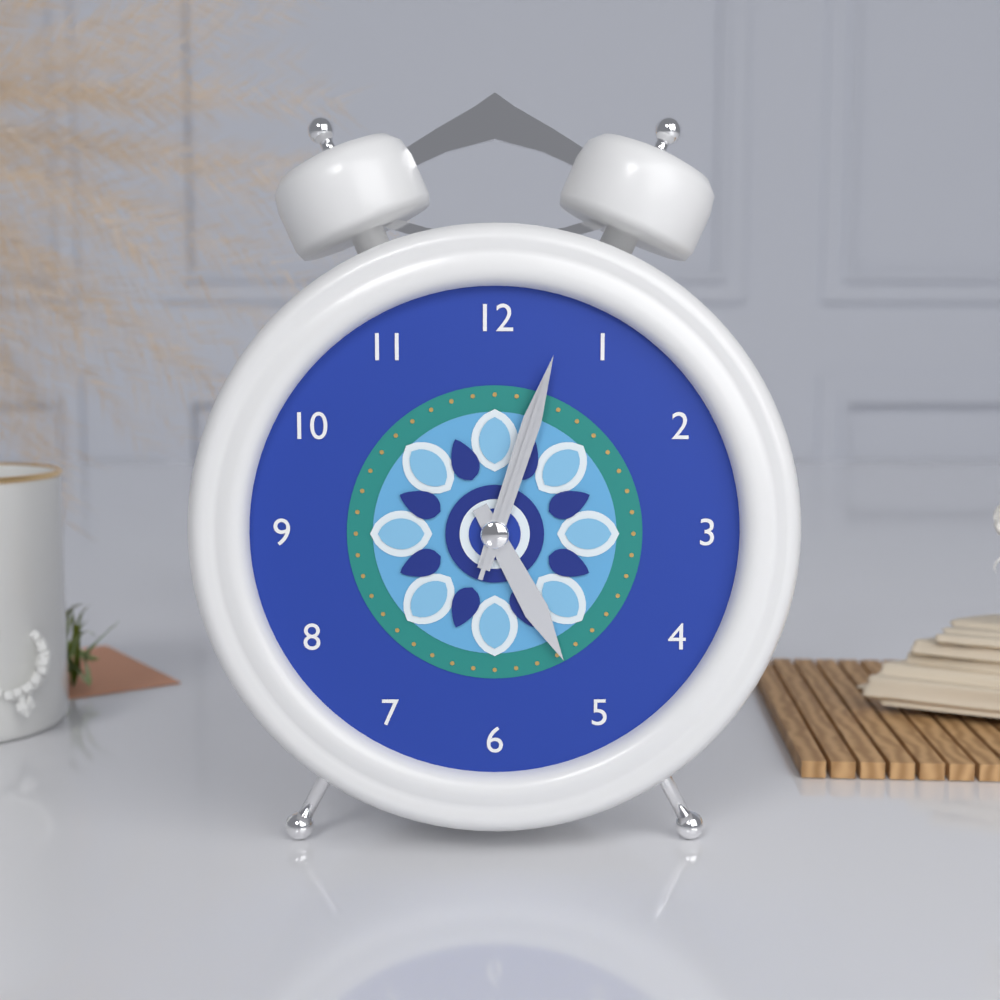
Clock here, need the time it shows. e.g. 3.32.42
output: 5.03.03
